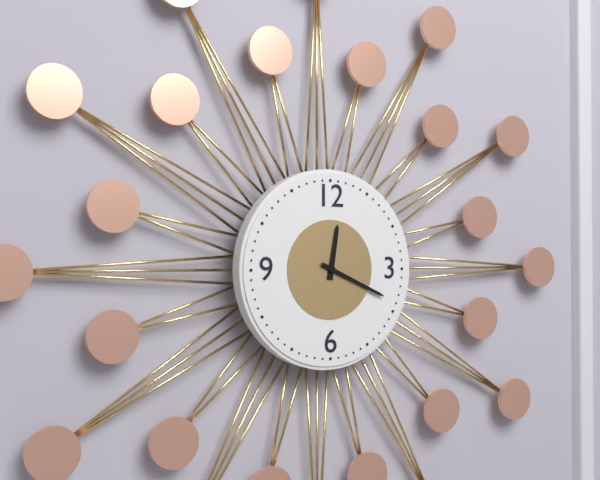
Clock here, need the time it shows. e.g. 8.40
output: 12.19
